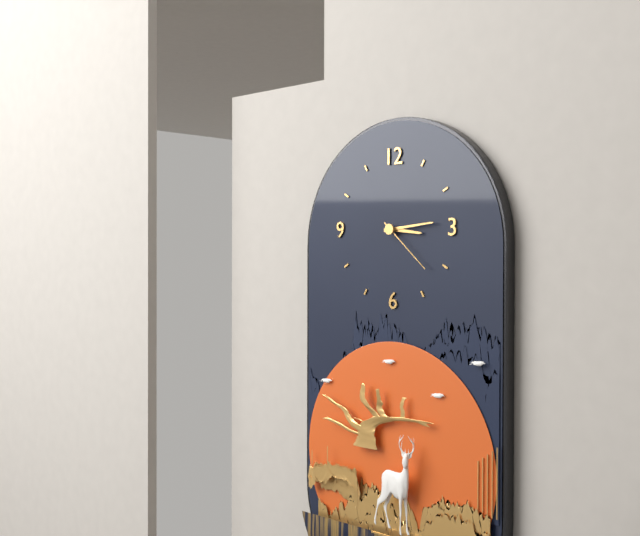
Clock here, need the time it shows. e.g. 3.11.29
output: 3.14.22
